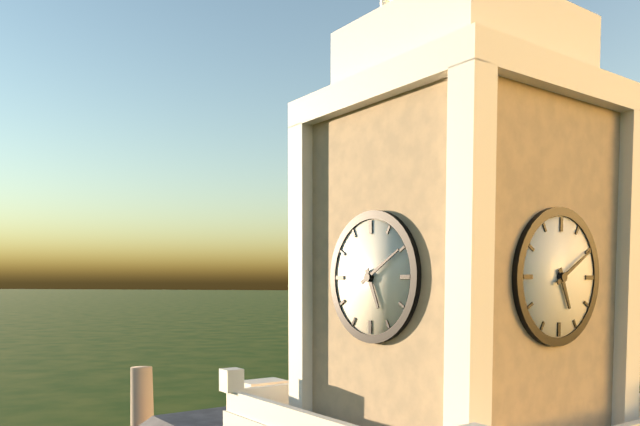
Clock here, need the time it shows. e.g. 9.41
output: 5.10
